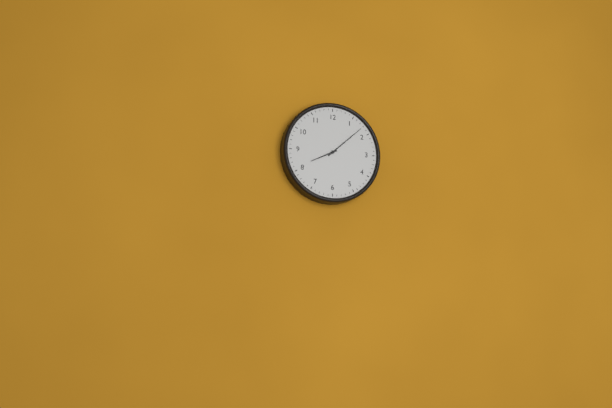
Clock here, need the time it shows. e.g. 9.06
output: 8.08
